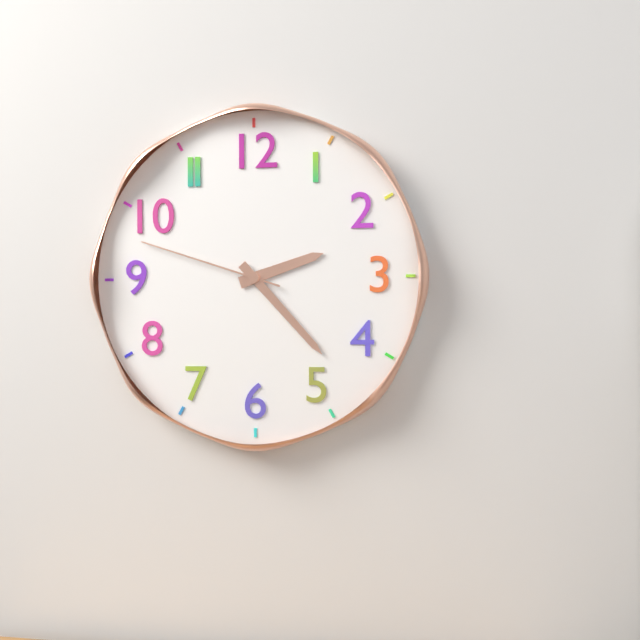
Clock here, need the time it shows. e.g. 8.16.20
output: 2.23.48
